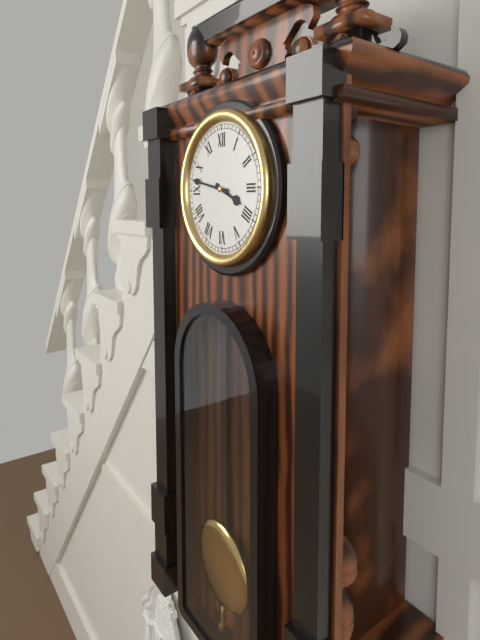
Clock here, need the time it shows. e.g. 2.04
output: 3.47
